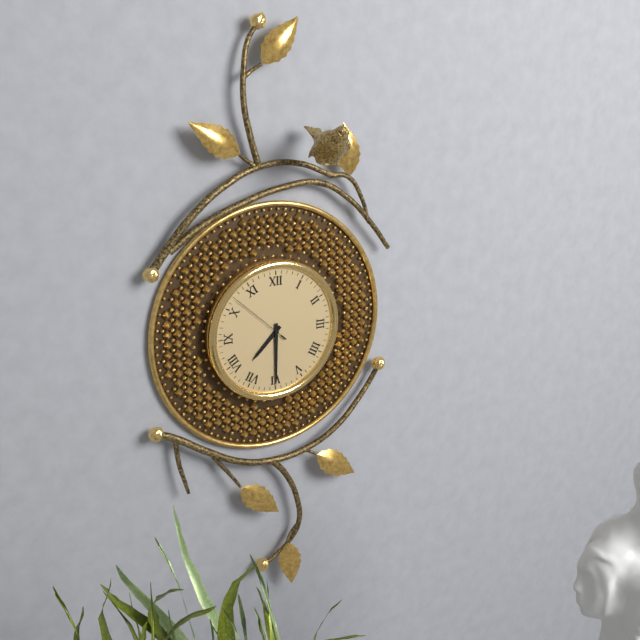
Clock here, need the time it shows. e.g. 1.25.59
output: 7.30.52
